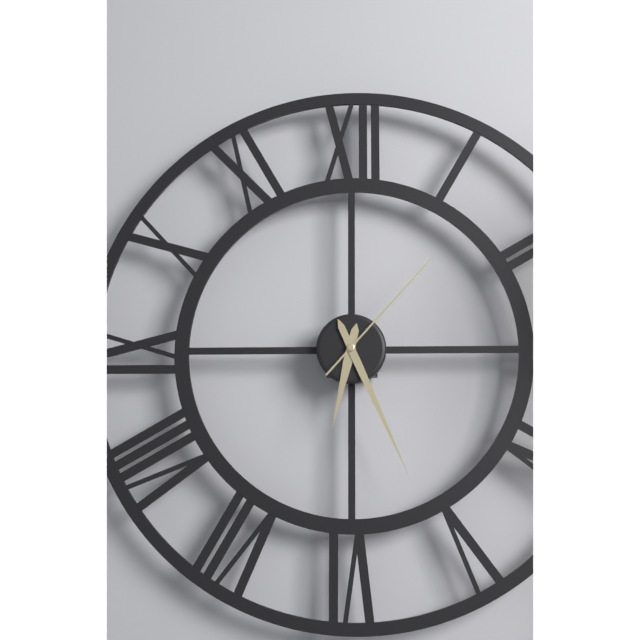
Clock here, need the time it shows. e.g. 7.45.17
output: 6.26.07
